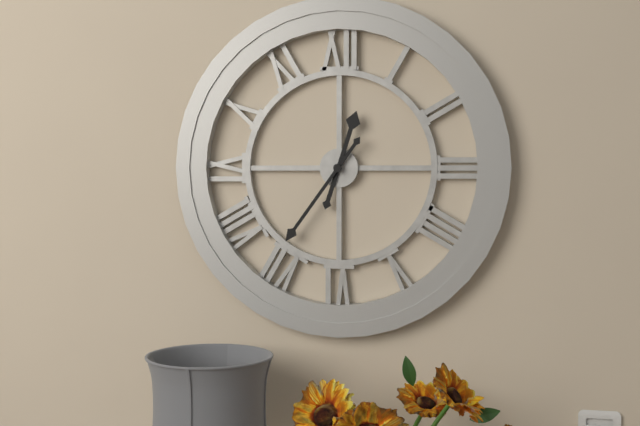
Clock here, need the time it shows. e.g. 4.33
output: 12.36
